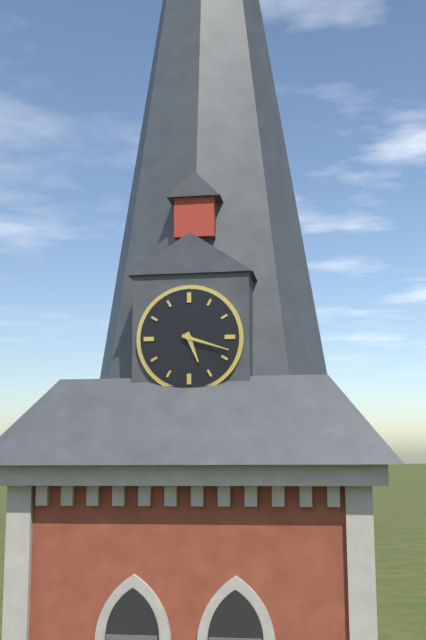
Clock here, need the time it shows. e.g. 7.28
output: 5.18
